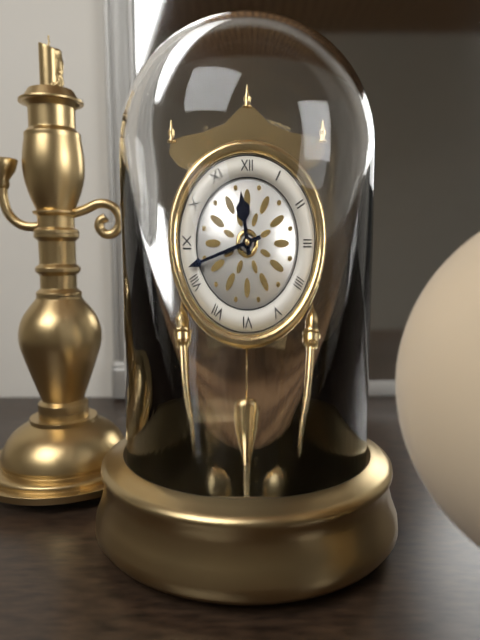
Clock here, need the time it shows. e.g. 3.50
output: 11.42
